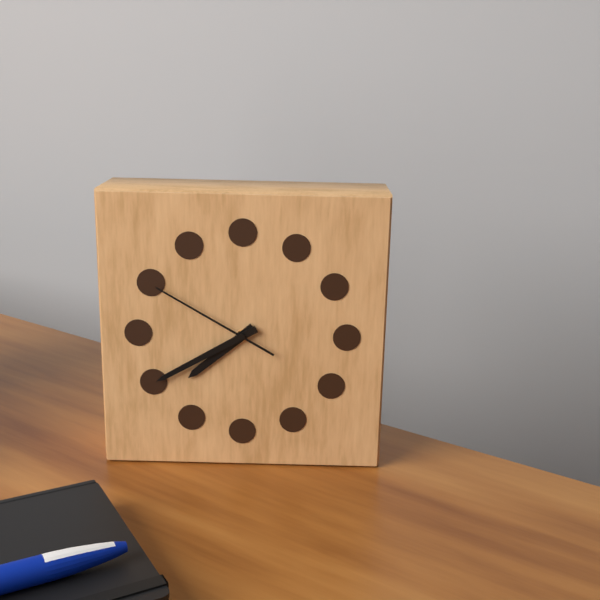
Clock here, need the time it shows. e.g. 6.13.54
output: 7.40.50
